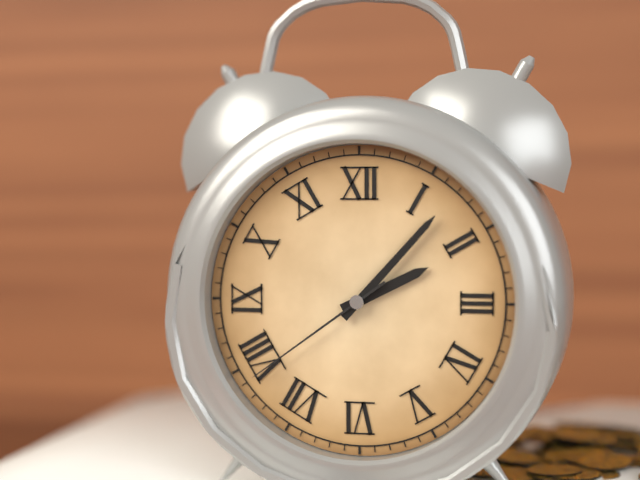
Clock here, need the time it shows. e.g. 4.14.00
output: 2.07.39
